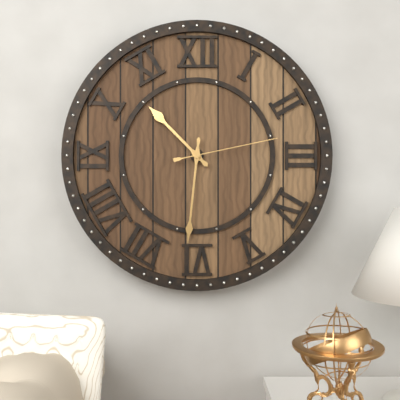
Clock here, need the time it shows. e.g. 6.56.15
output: 10.31.13
